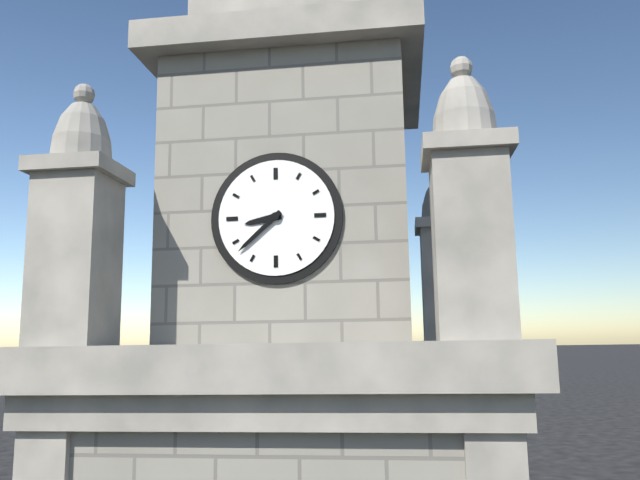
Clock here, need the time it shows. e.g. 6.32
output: 8.38
